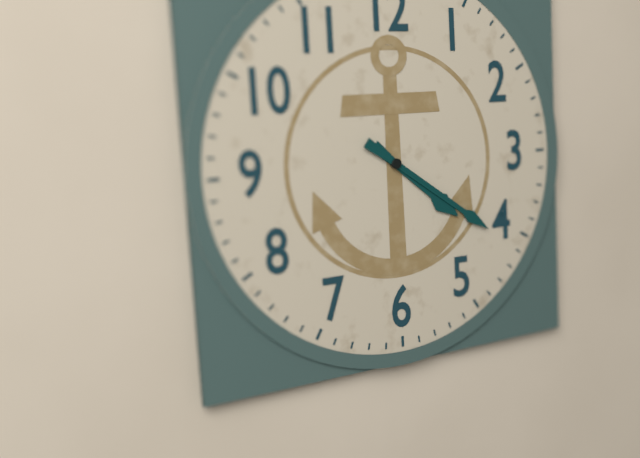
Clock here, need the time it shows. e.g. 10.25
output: 4.21
